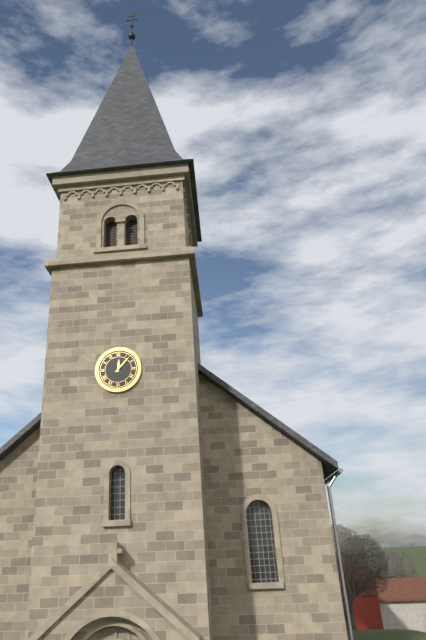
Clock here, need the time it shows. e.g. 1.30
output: 12.07
